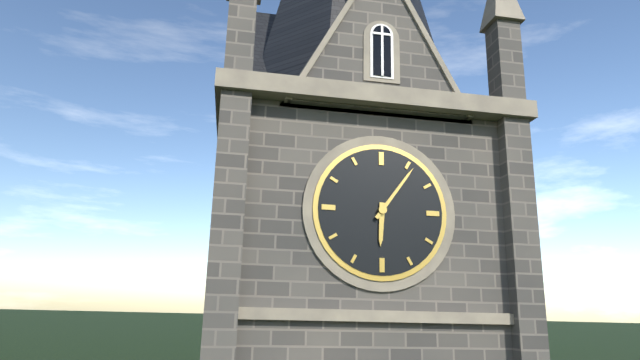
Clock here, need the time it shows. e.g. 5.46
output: 6.06
